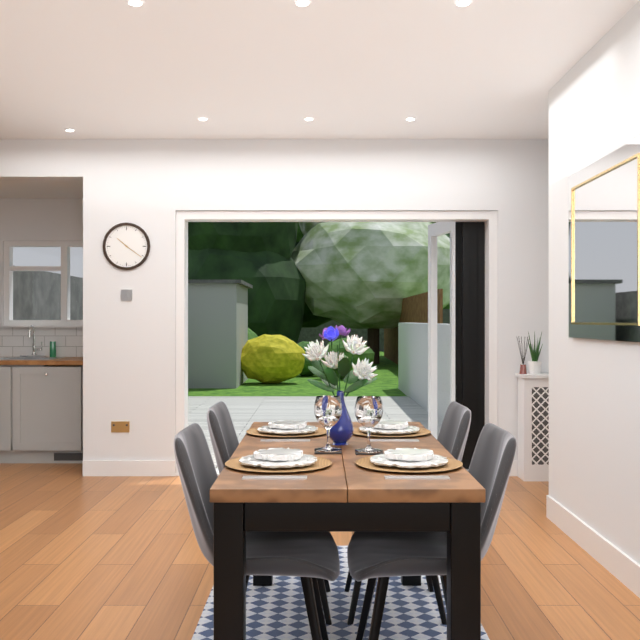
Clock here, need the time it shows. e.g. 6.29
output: 10.21
